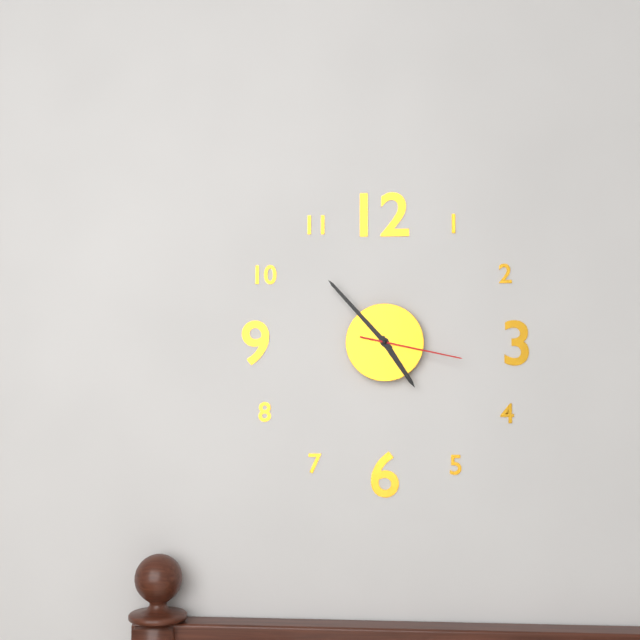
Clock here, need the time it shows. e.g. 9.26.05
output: 4.53.17
